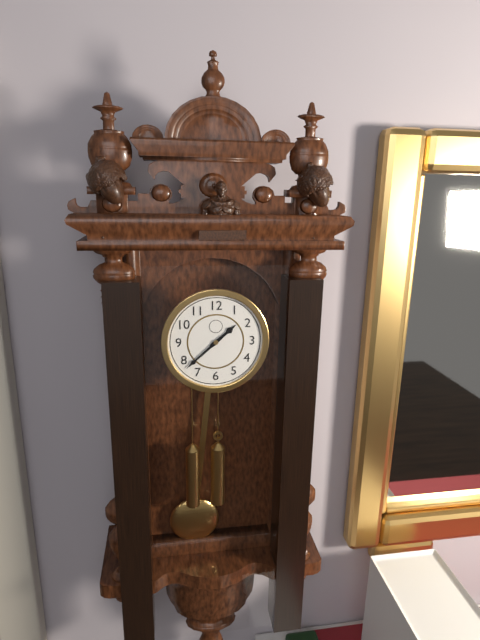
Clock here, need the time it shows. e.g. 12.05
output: 1.38
